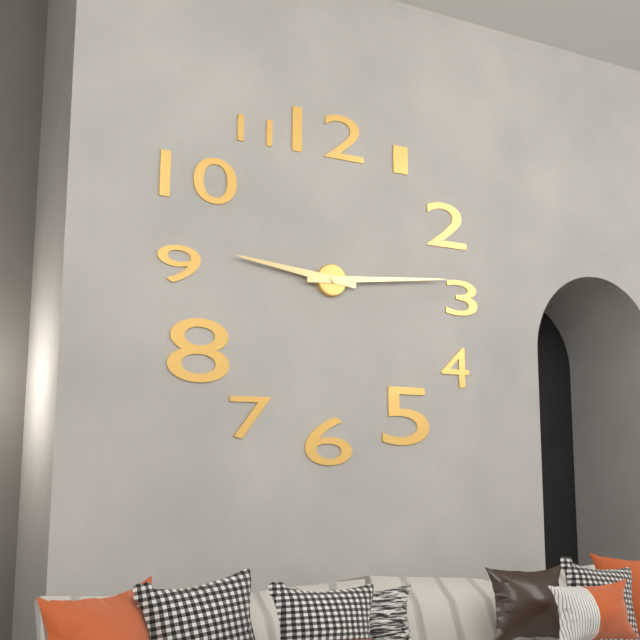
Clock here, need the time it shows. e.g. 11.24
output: 9.14
